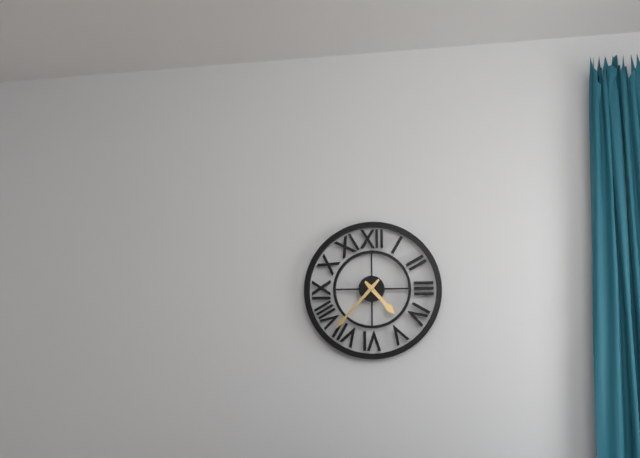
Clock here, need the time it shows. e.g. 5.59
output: 4.37
